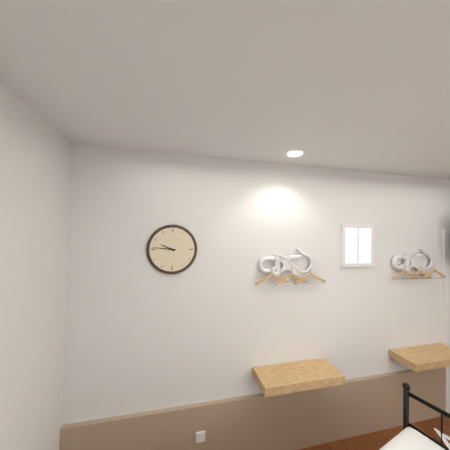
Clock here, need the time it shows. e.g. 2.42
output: 9.46
